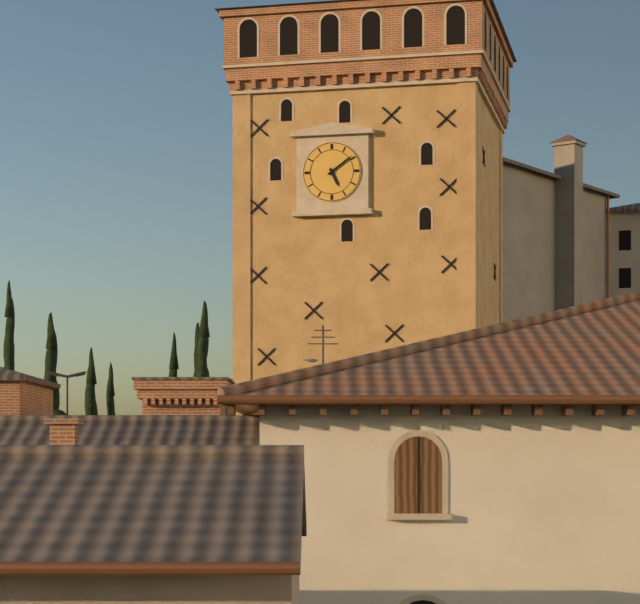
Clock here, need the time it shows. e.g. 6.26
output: 5.09
